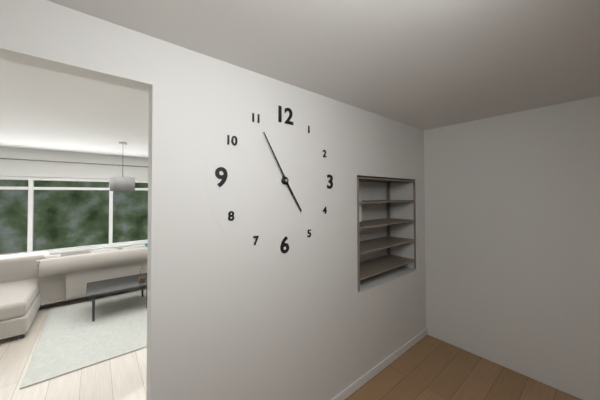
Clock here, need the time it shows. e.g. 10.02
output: 4.55
